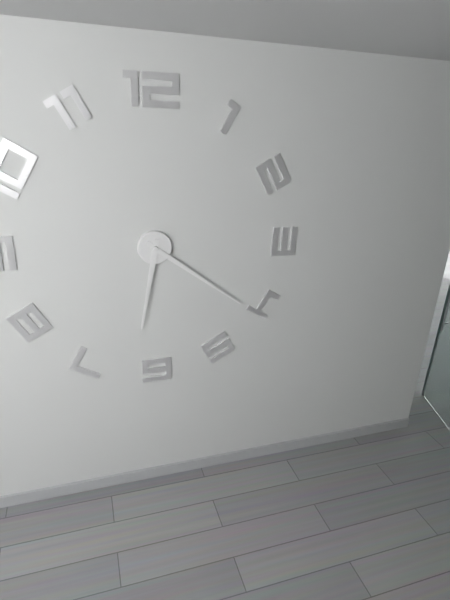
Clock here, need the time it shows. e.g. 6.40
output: 6.21
